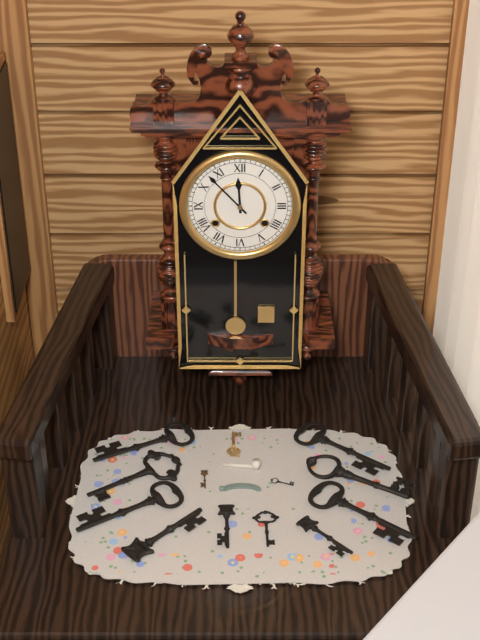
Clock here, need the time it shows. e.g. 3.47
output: 11.53
